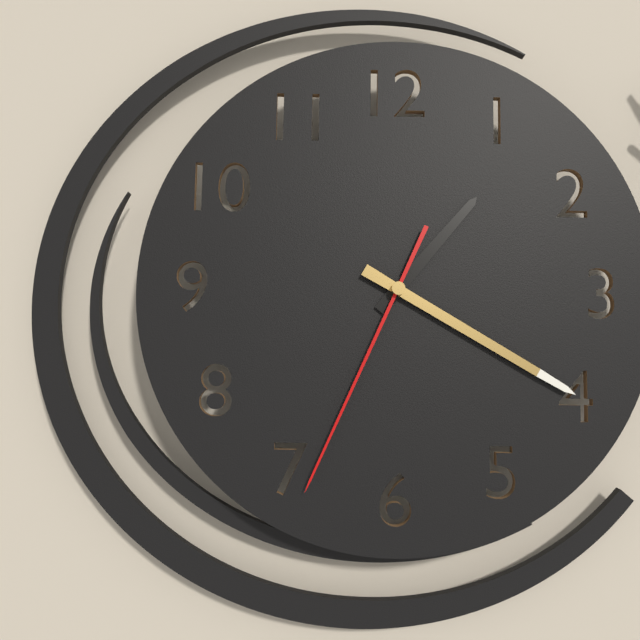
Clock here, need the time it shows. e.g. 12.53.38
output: 1.20.34
